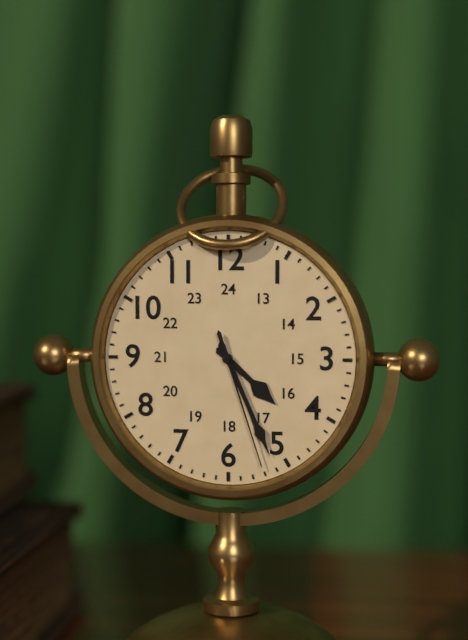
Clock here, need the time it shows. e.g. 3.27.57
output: 4.26.27
